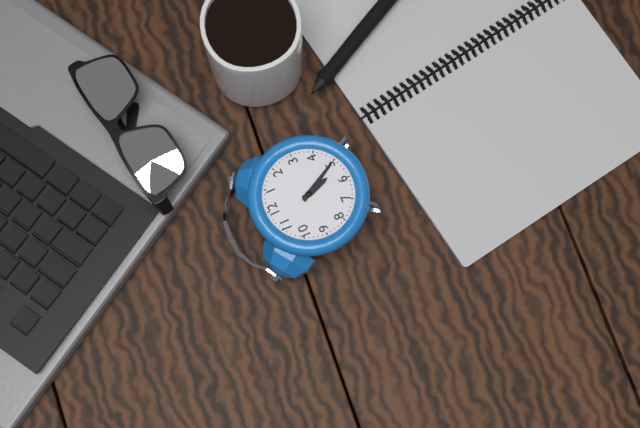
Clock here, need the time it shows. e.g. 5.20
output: 5.25
